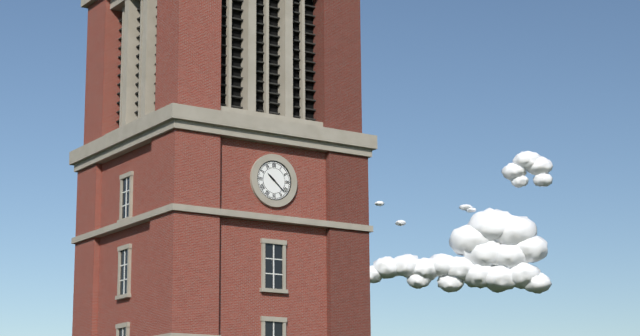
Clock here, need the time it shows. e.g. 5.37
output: 10.22
